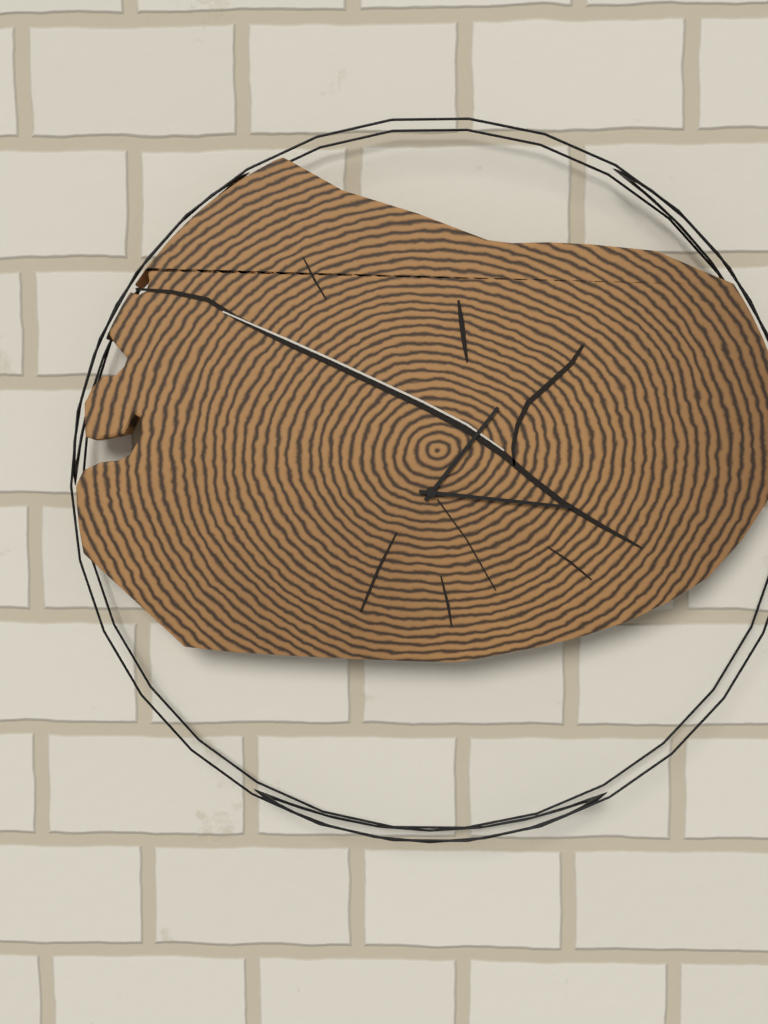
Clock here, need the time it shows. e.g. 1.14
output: 1.16
